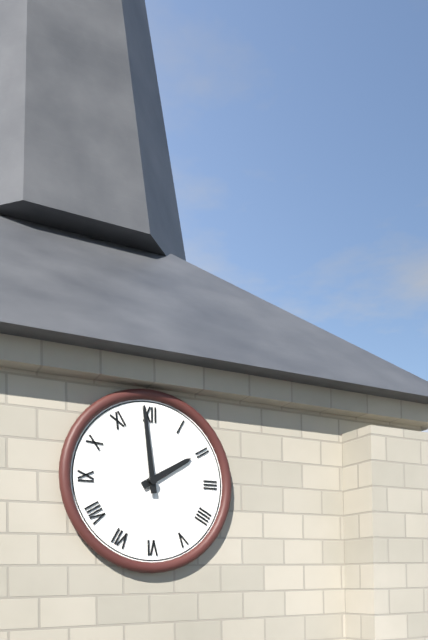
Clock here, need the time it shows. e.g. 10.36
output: 1.59
